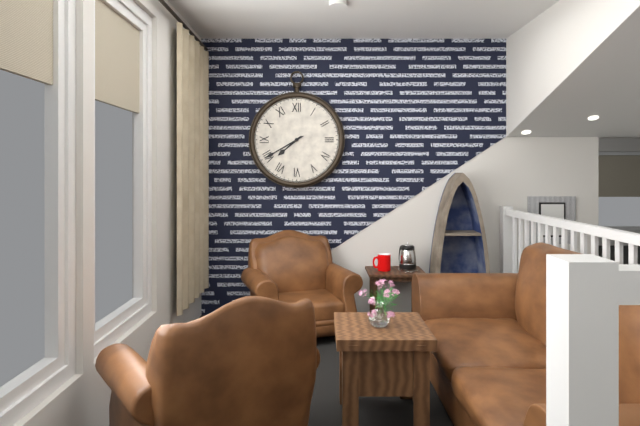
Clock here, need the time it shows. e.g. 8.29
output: 7.40
